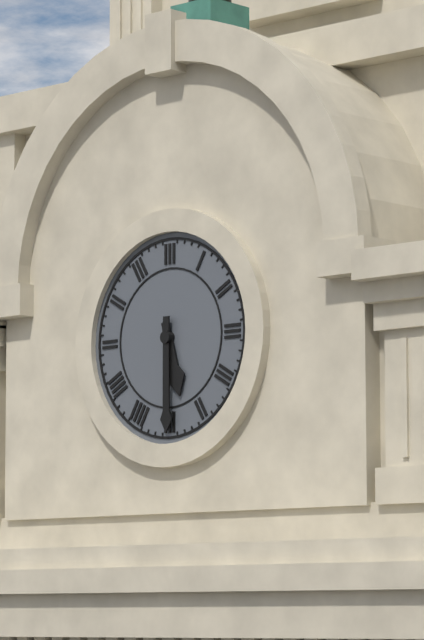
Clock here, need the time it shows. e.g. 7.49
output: 5.30
